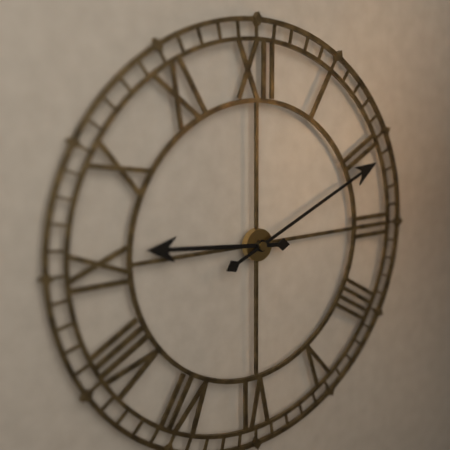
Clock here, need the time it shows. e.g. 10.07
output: 9.11
